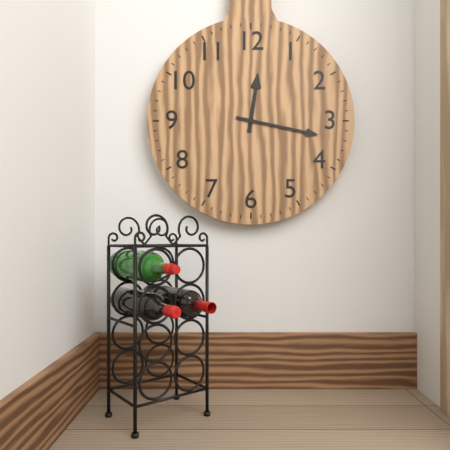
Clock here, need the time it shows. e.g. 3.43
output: 12.17
